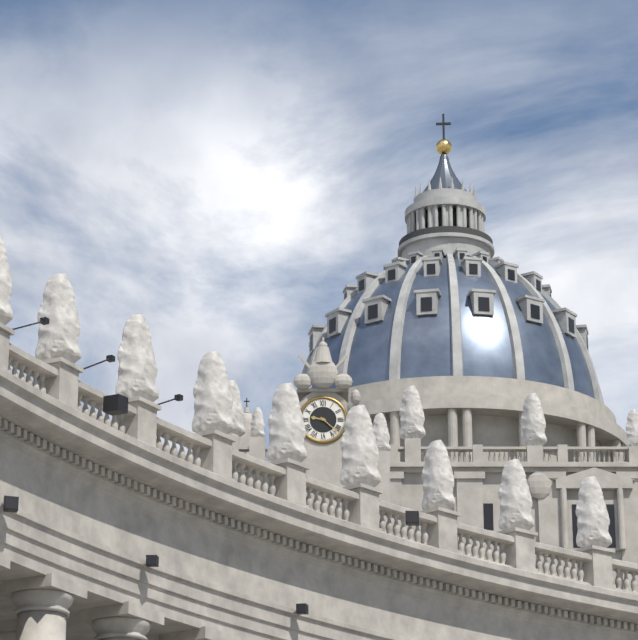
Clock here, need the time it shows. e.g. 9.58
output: 9.22
